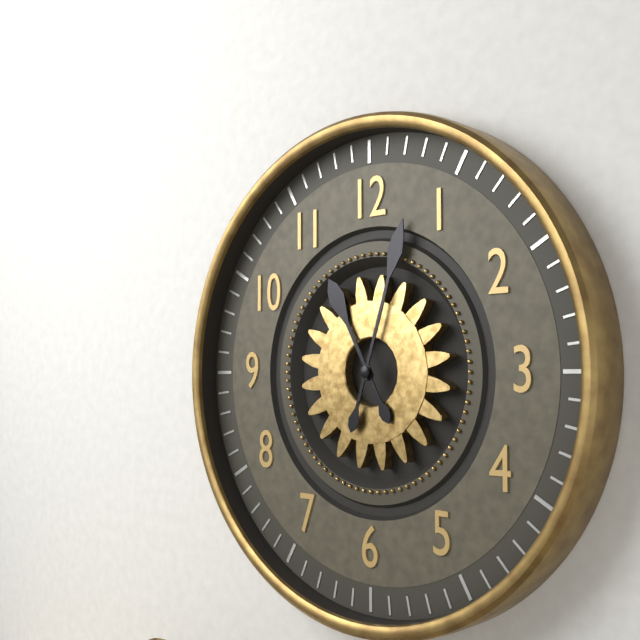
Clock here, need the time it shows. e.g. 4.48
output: 11.03
